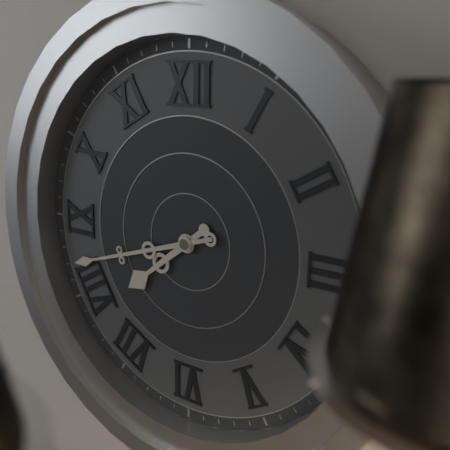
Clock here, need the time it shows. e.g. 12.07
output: 7.42
